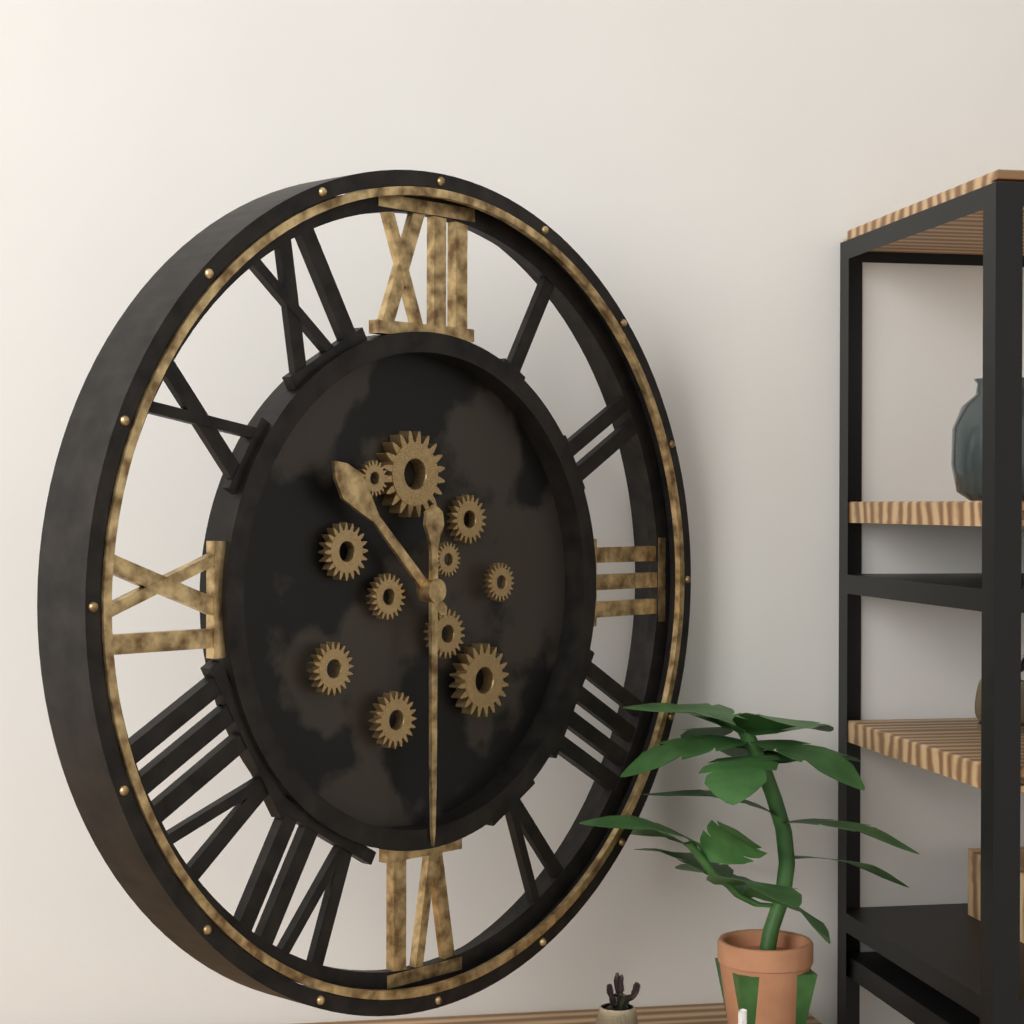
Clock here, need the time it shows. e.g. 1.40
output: 10.30
